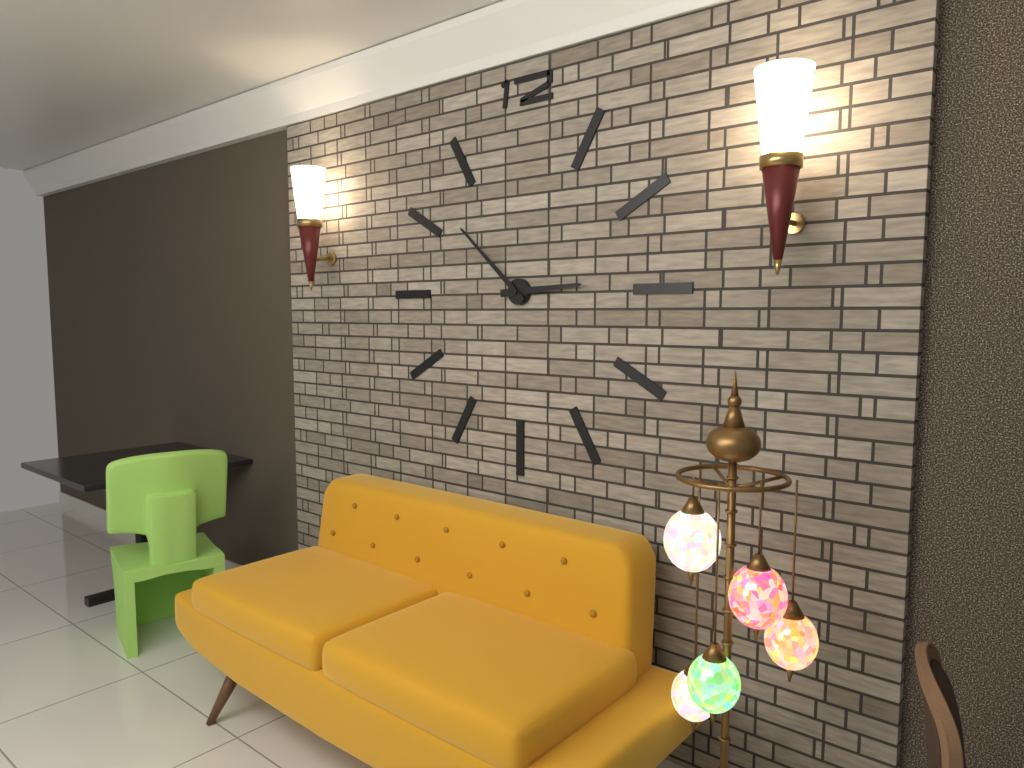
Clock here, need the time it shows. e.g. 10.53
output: 2.52
